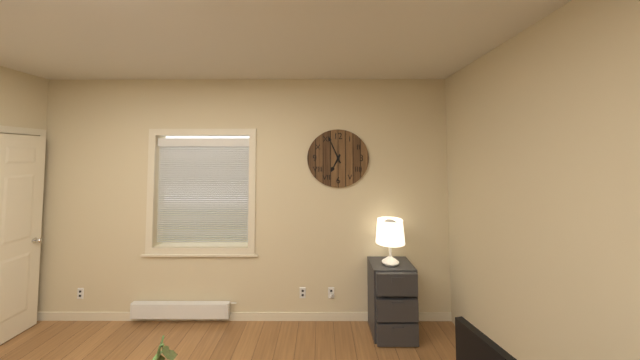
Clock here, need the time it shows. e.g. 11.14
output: 6.56
